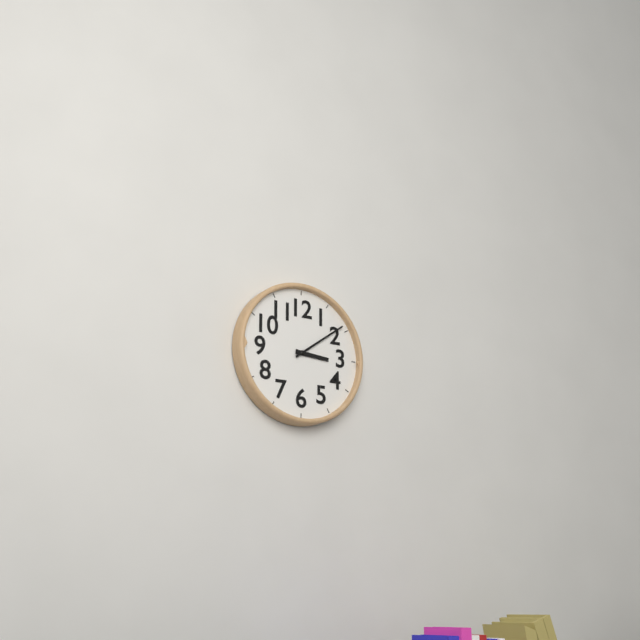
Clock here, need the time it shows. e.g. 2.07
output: 3.09
